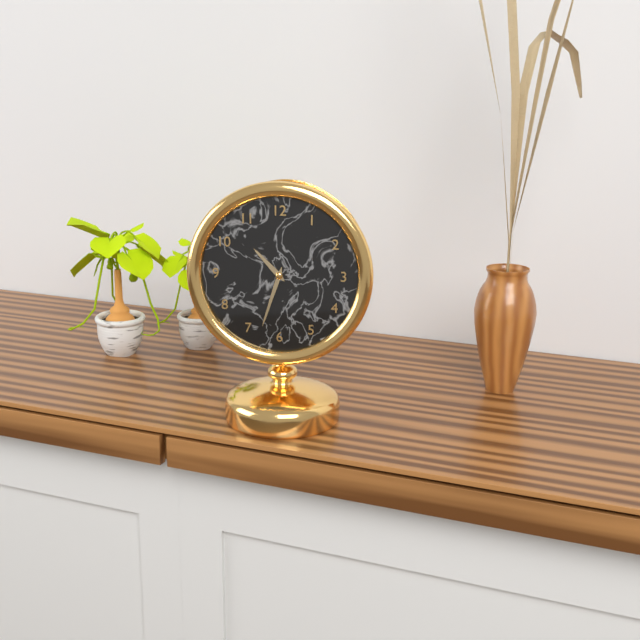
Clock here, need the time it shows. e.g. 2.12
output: 10.33
